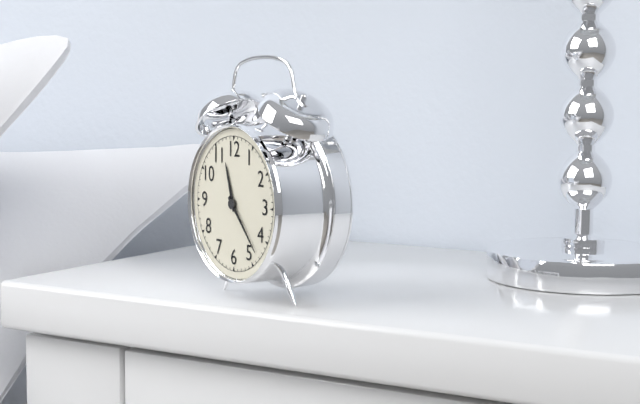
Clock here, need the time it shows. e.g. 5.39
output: 11.23
